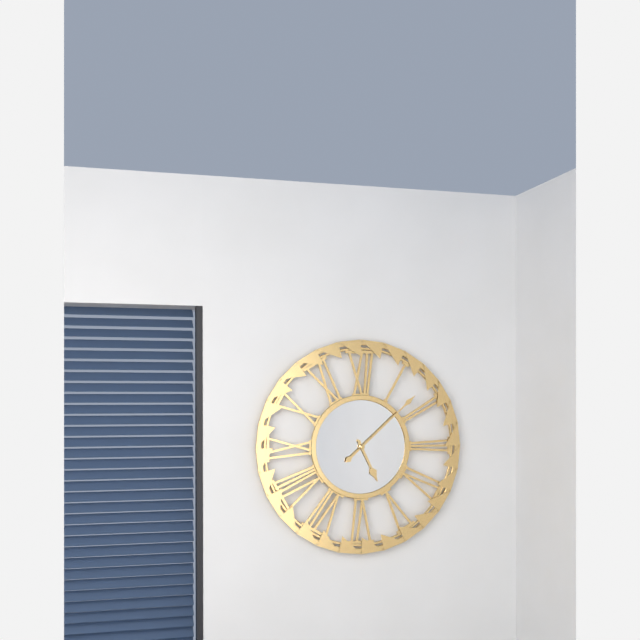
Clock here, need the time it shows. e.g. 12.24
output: 5.08
